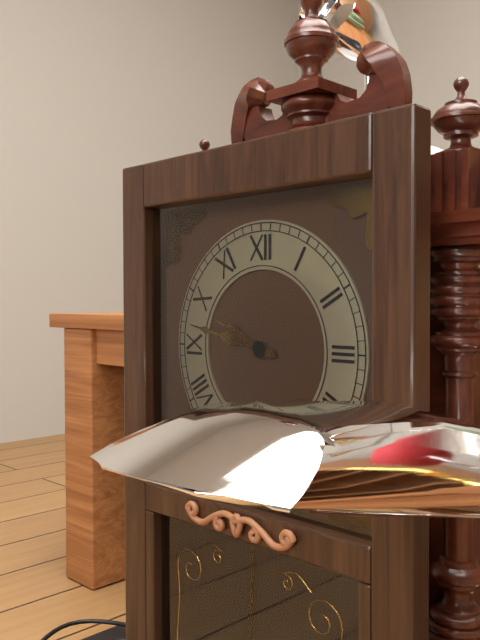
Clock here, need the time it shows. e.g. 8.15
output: 9.47
